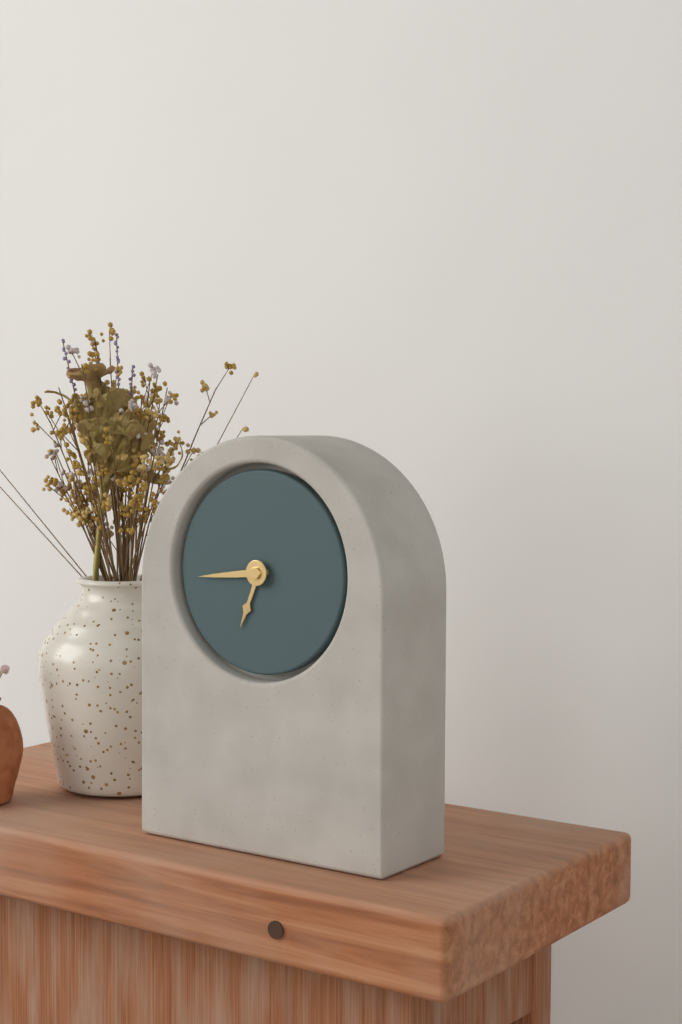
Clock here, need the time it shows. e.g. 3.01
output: 6.44
